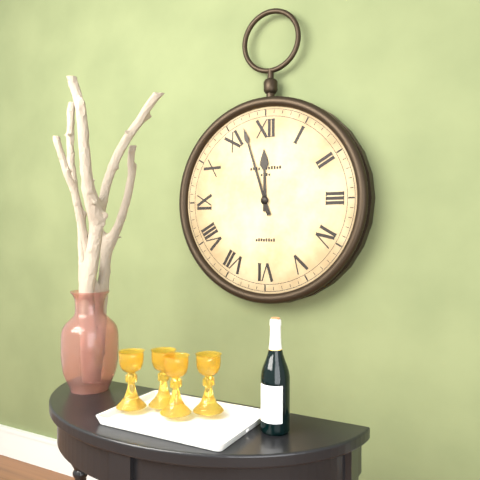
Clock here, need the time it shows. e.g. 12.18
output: 11.57
